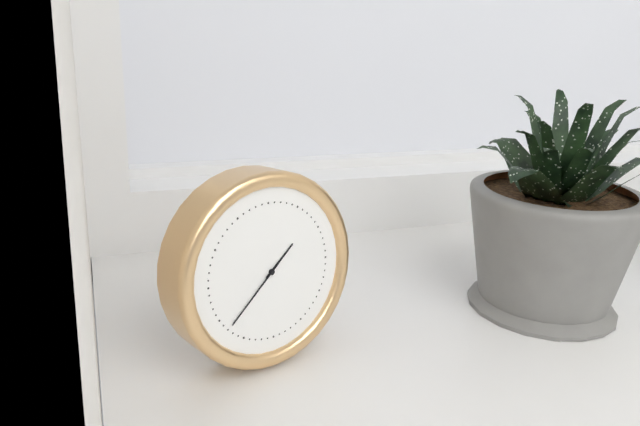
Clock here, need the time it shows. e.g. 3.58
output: 1.38
